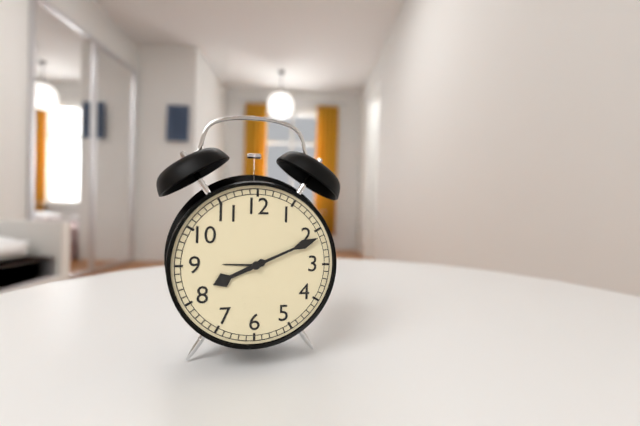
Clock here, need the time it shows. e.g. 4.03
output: 8.11
